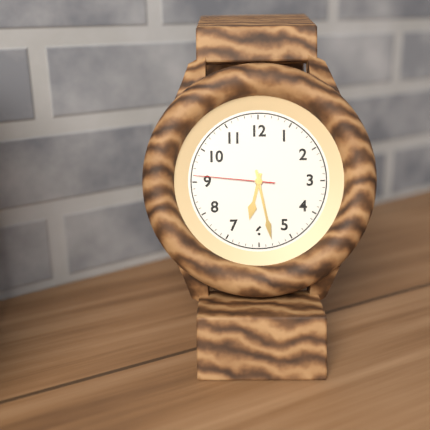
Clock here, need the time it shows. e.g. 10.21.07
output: 6.28.46
